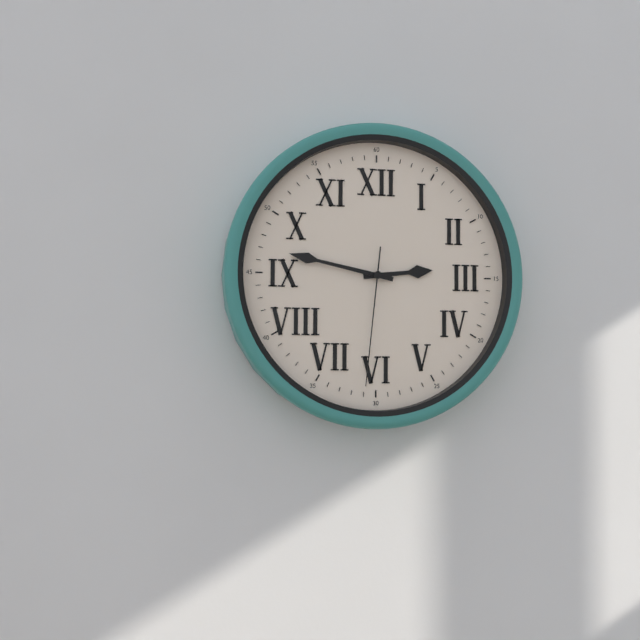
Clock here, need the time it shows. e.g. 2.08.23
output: 2.47.31
